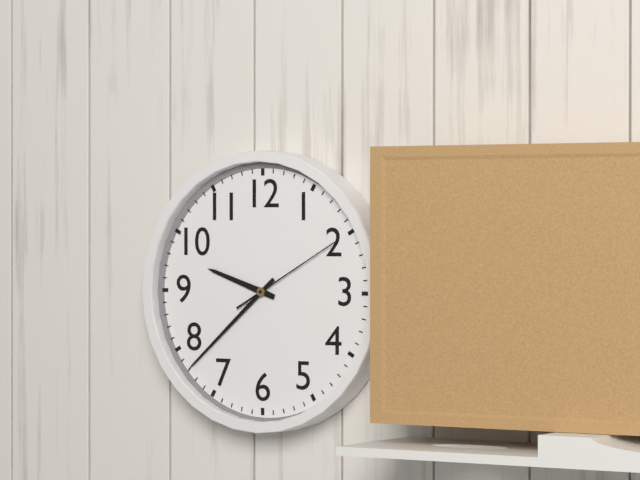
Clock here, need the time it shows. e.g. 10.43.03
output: 9.38.10
